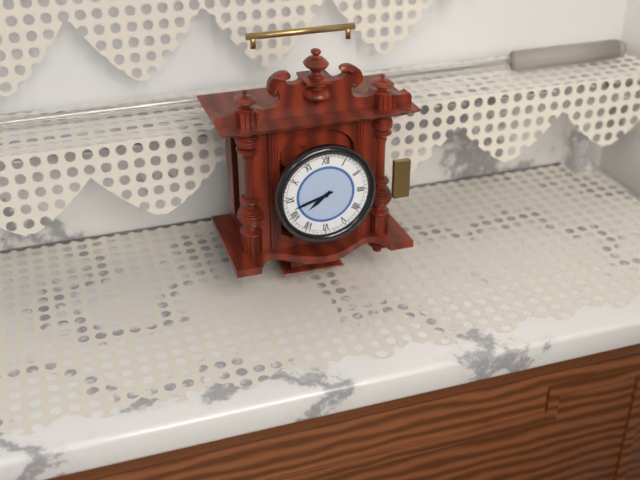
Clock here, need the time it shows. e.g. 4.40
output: 7.42
